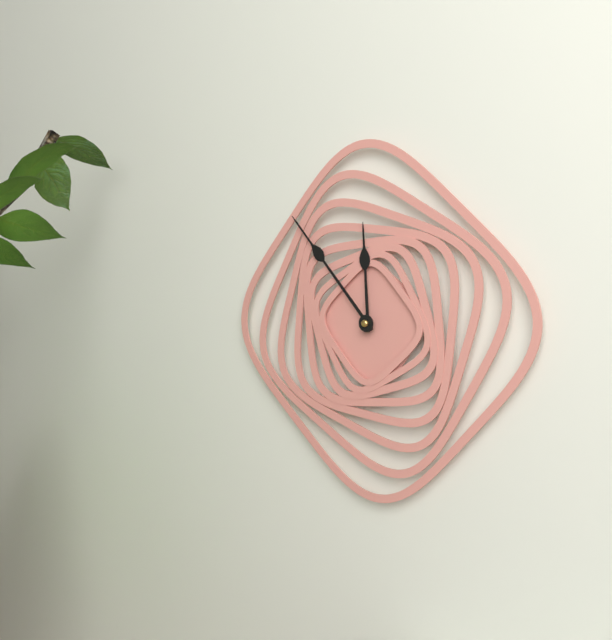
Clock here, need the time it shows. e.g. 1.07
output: 11.53
